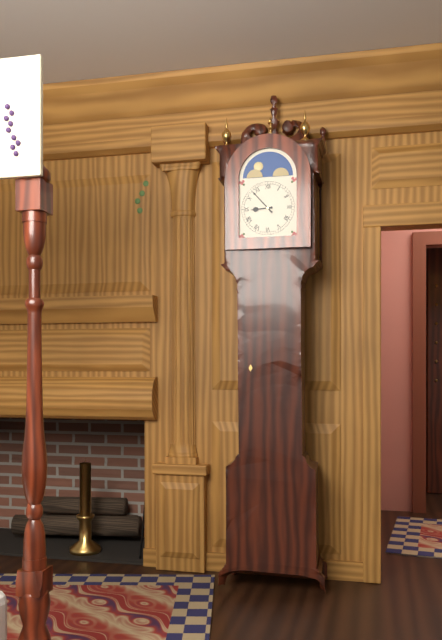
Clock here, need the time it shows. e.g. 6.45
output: 8.53
